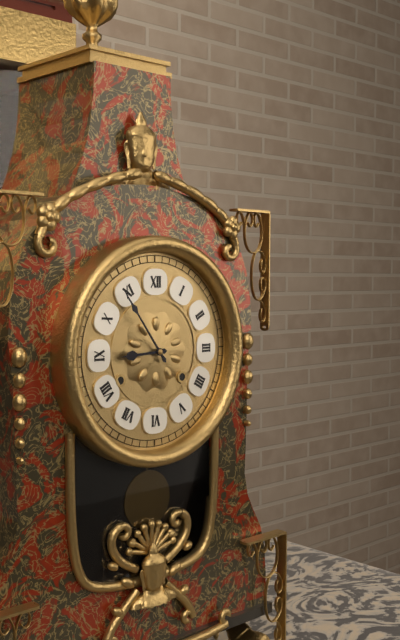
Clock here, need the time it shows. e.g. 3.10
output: 8.54
